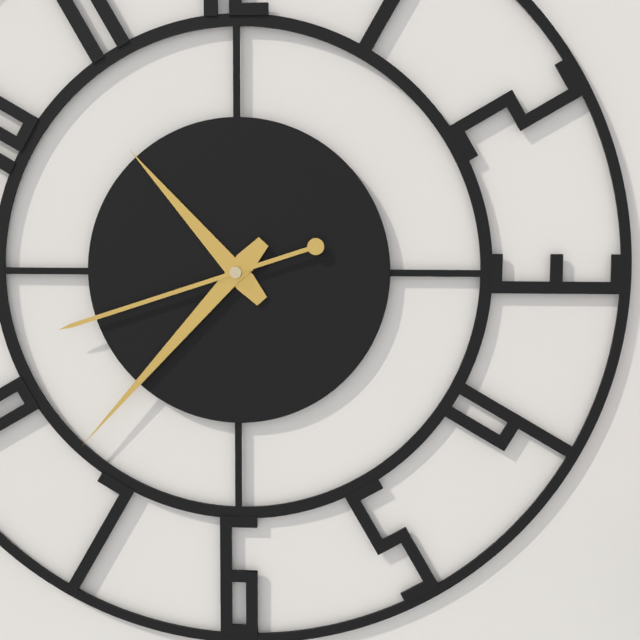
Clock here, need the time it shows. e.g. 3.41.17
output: 10.37.42
